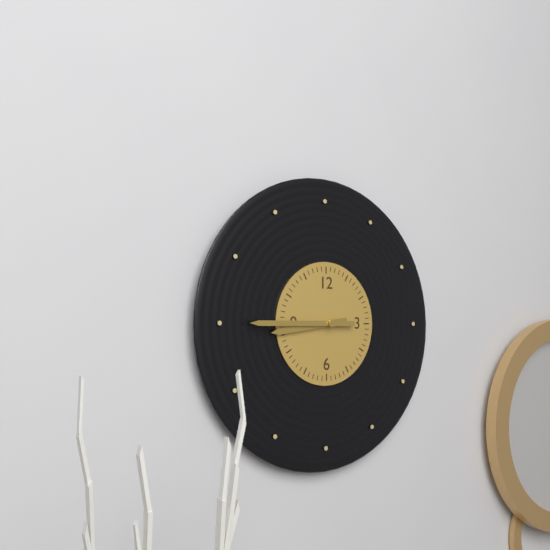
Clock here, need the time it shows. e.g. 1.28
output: 8.45
